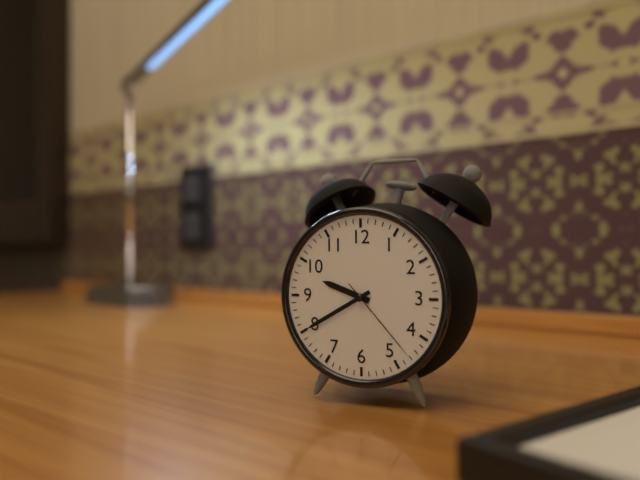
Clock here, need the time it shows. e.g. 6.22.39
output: 9.40.23
